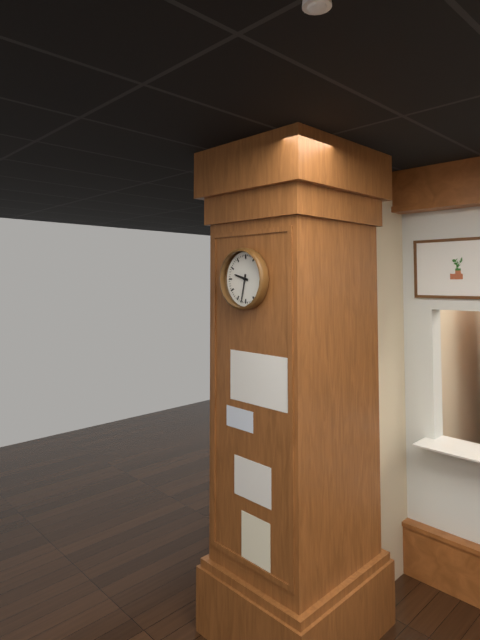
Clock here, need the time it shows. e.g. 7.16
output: 9.32
